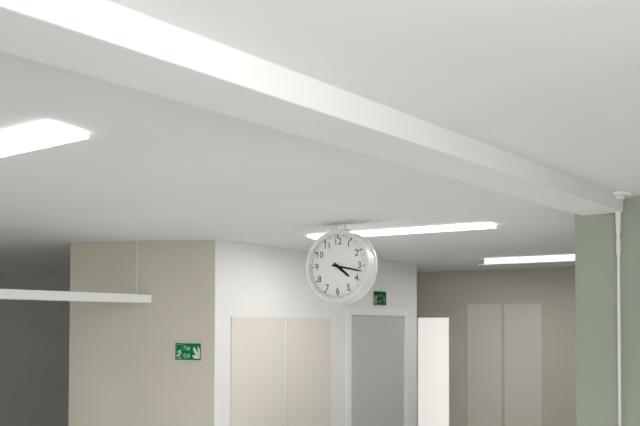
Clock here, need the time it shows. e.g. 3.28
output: 4.17
